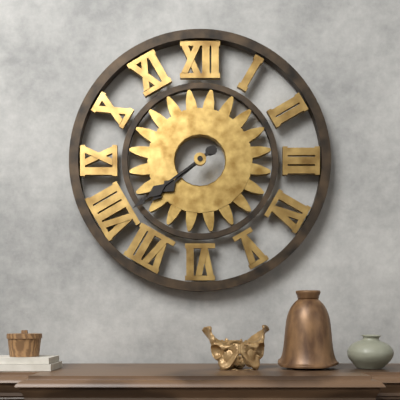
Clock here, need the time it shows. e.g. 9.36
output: 7.39
